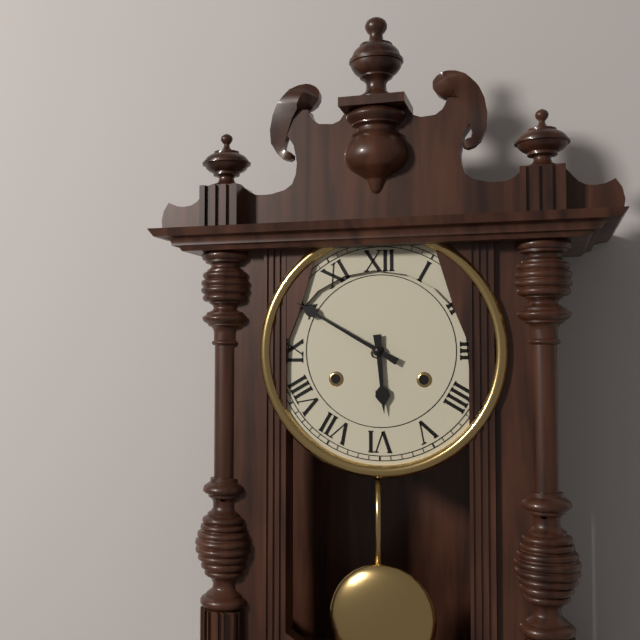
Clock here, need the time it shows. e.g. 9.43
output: 5.50
